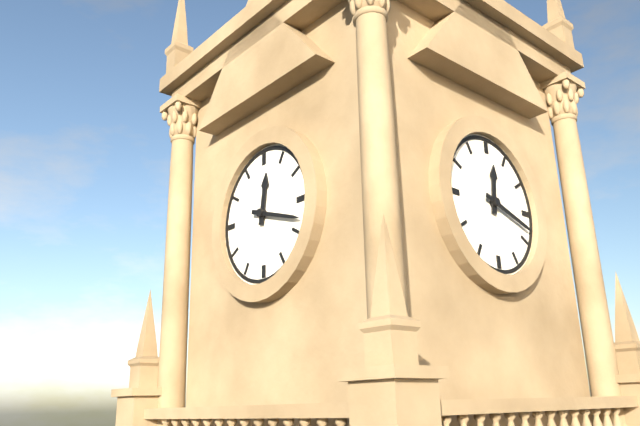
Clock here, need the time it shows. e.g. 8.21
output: 12.18
